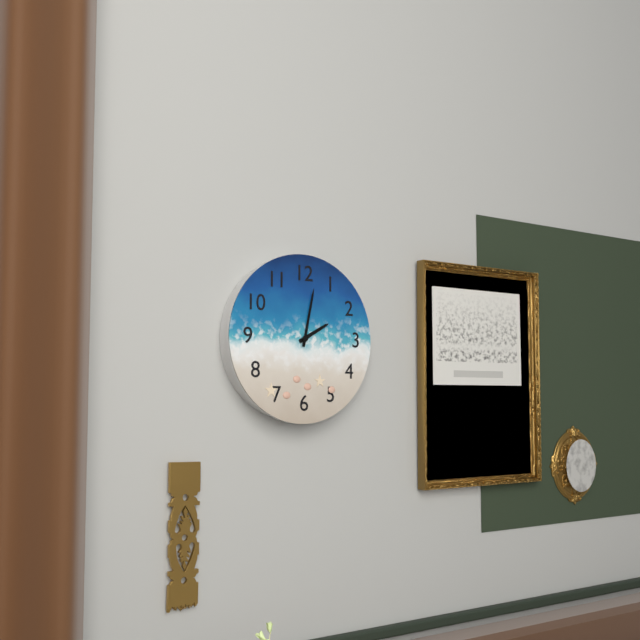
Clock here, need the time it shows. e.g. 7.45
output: 2.02
